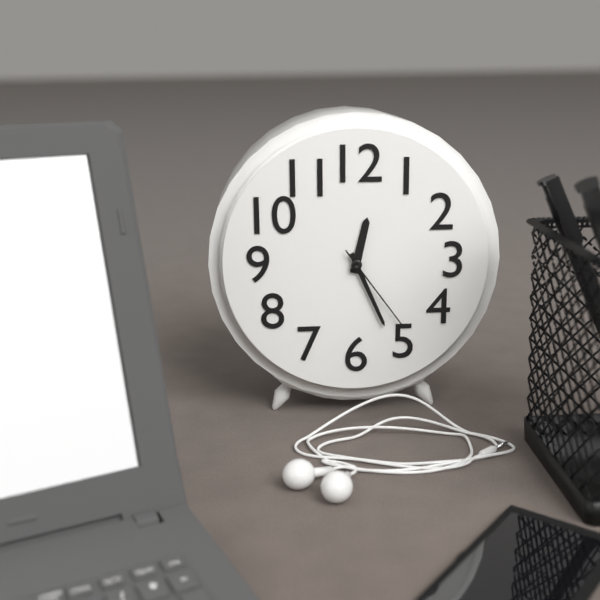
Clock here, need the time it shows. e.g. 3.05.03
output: 12.26.24
